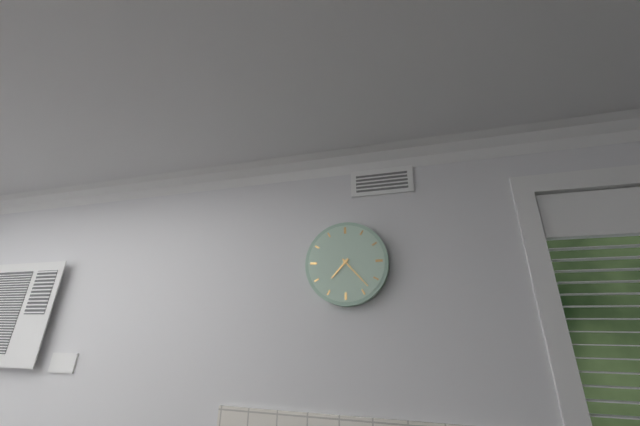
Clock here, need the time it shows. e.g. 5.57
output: 7.23
